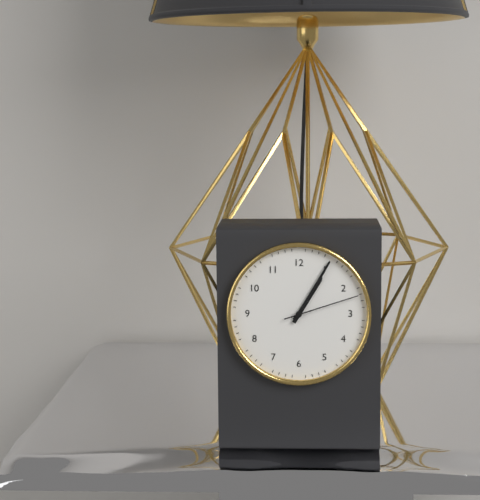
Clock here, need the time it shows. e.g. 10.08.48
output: 1.05.12
